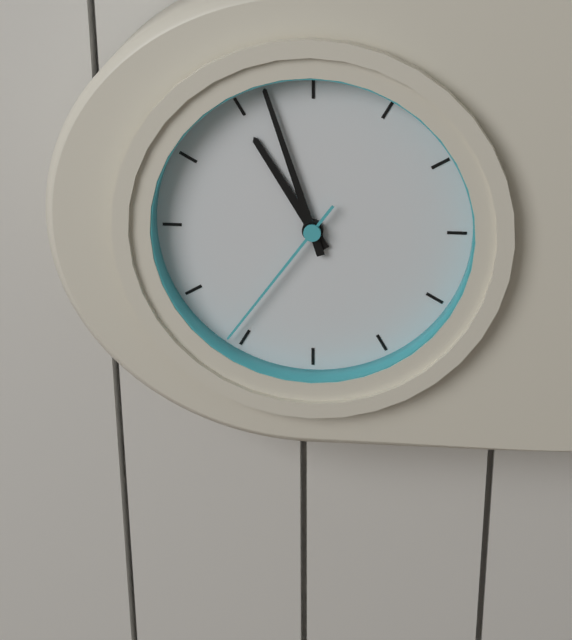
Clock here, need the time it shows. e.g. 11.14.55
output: 10.57.36
